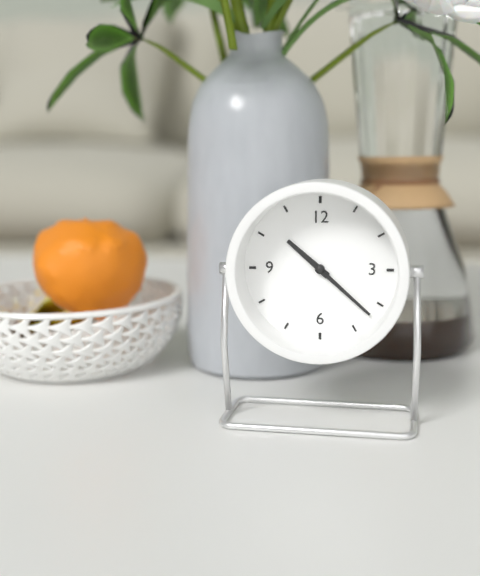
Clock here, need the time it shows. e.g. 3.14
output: 10.22
